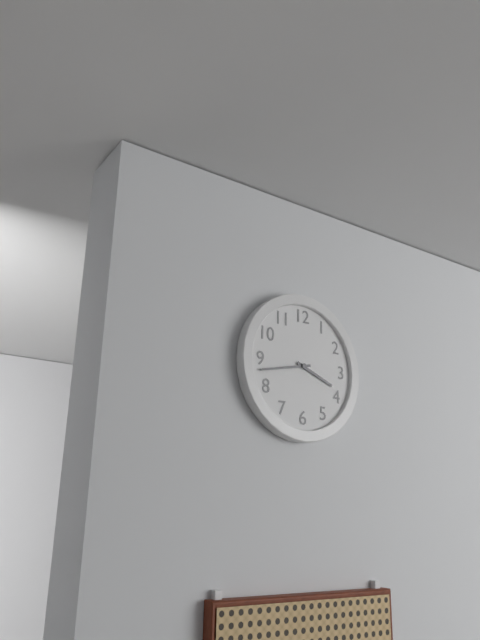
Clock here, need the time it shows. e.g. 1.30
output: 3.43
